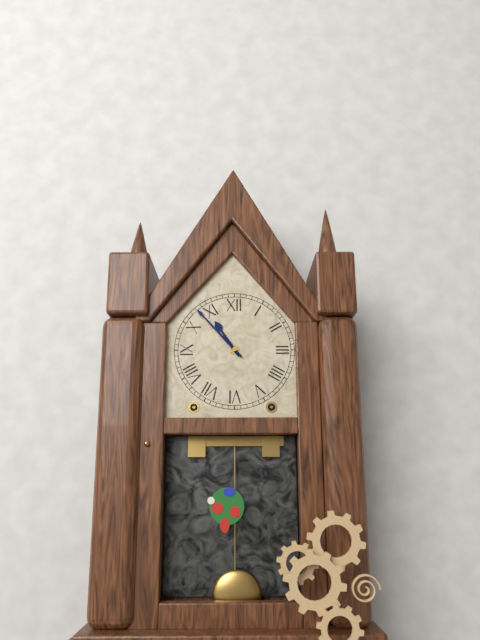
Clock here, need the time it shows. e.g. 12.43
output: 10.53
